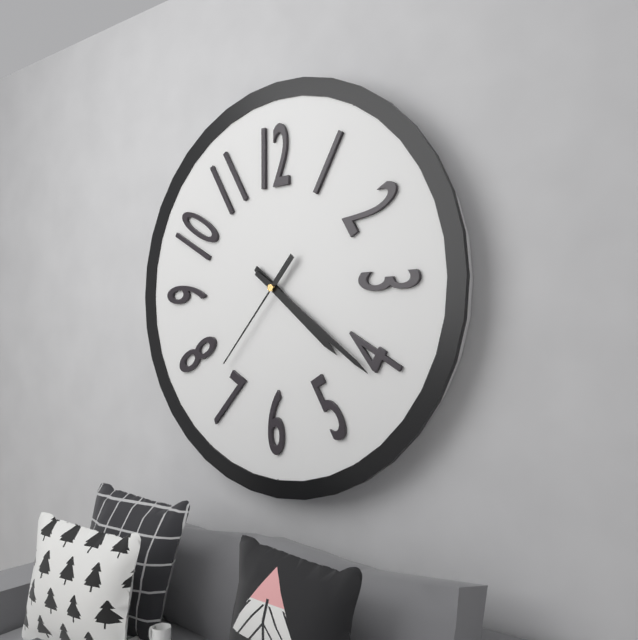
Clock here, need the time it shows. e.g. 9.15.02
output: 4.21.37
